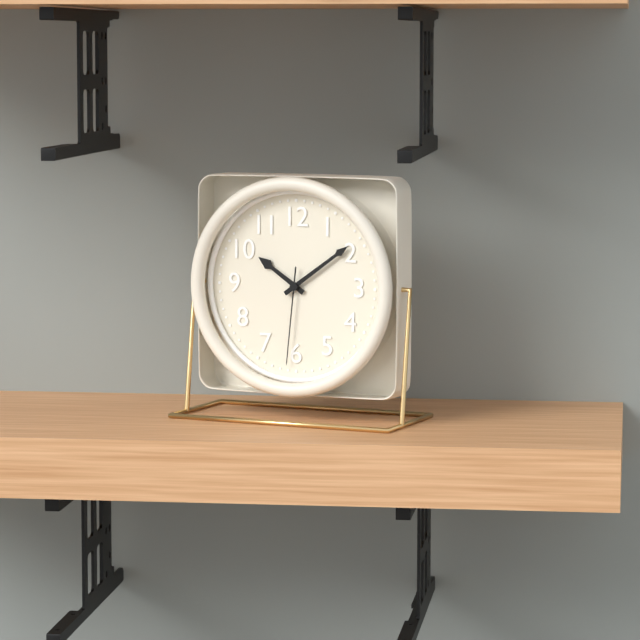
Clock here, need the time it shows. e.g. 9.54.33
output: 10.09.31
